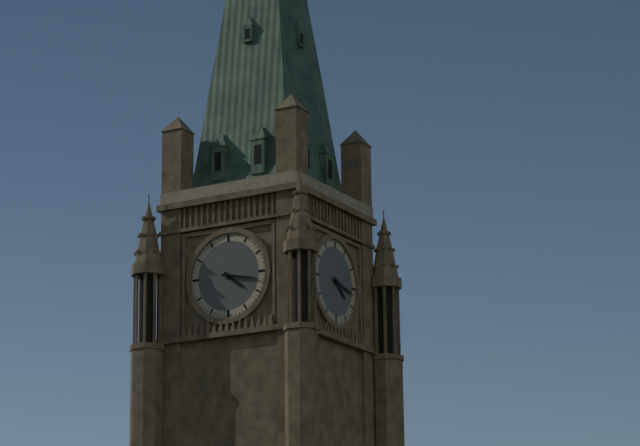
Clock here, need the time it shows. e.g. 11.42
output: 4.17
